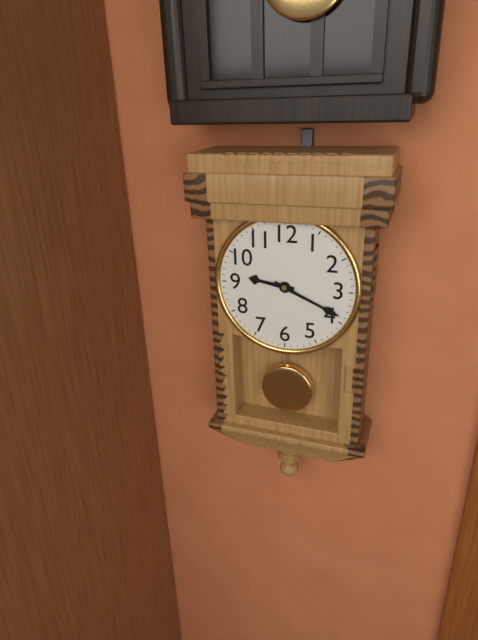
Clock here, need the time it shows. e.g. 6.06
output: 9.19
